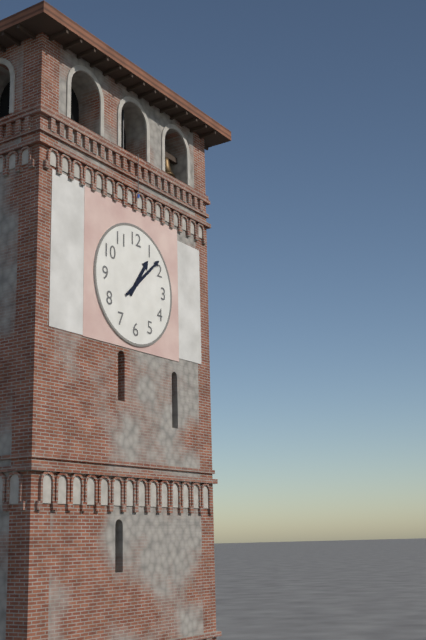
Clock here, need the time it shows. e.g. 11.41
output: 1.08
